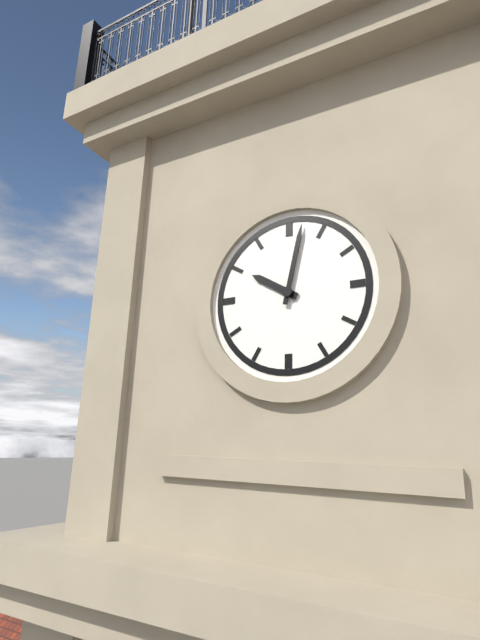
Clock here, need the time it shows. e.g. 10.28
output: 10.02
